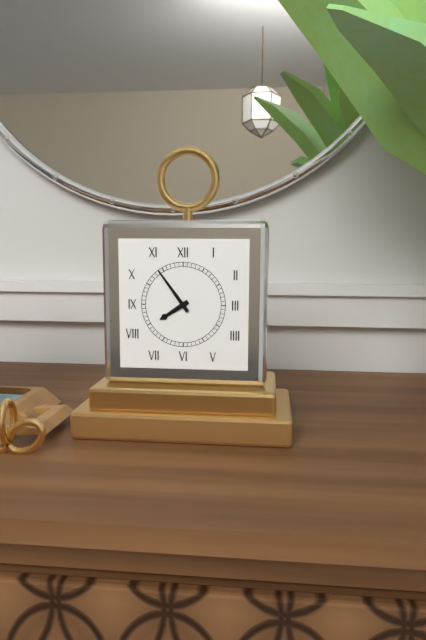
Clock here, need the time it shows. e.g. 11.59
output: 7.54
